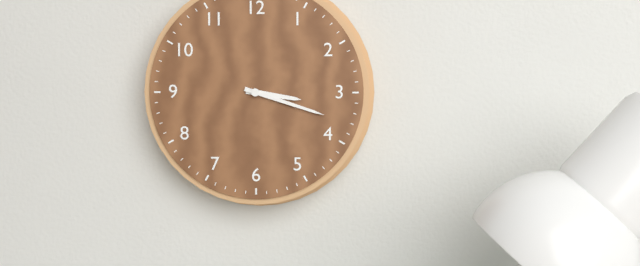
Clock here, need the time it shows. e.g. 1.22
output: 3.18
